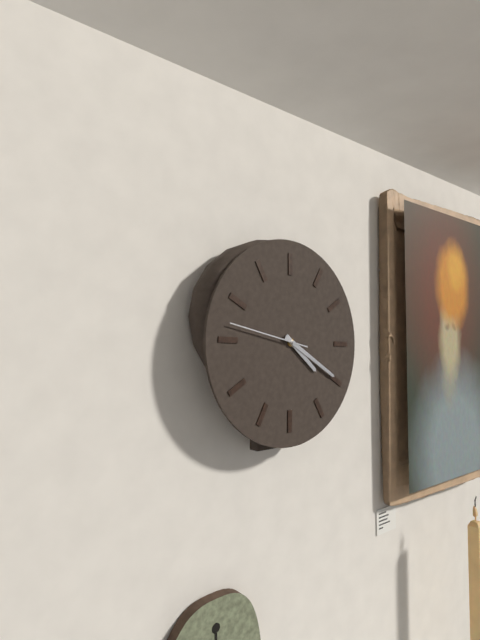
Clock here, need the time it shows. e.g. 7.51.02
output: 4.20.47
